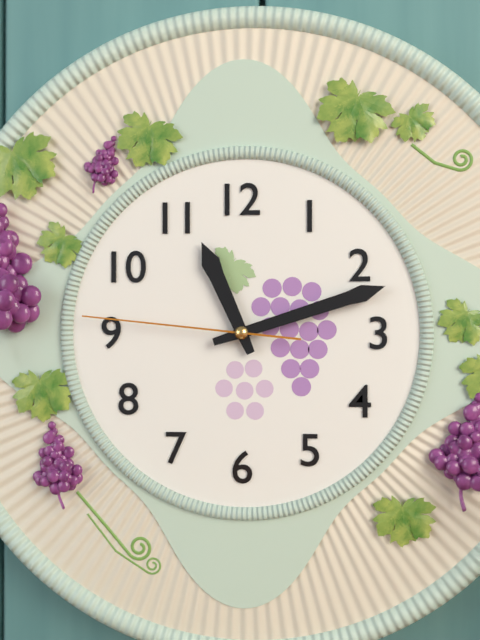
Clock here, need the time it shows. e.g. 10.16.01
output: 11.12.46
